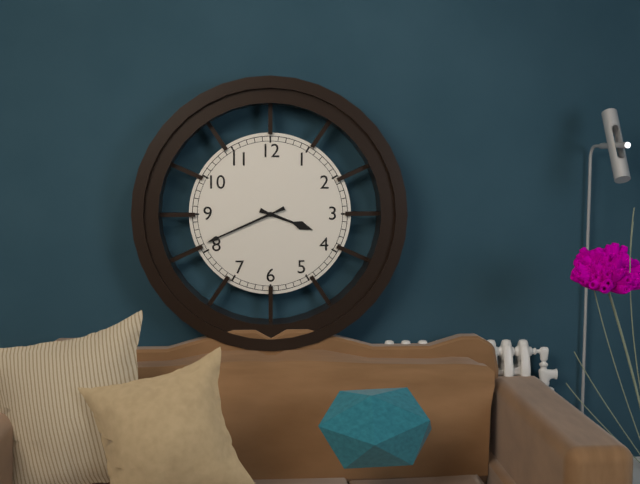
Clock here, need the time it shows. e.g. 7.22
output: 3.41
